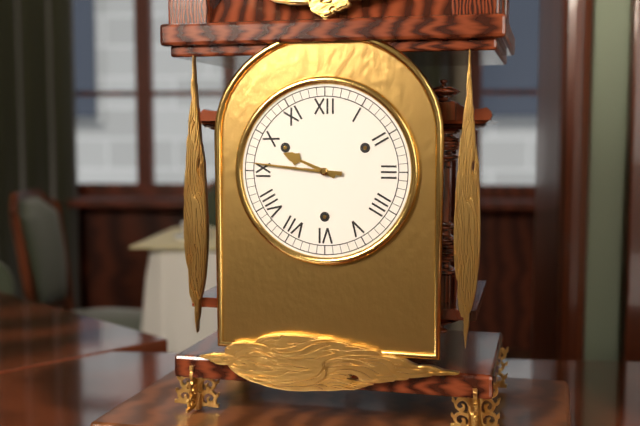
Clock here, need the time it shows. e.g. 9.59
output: 9.46
